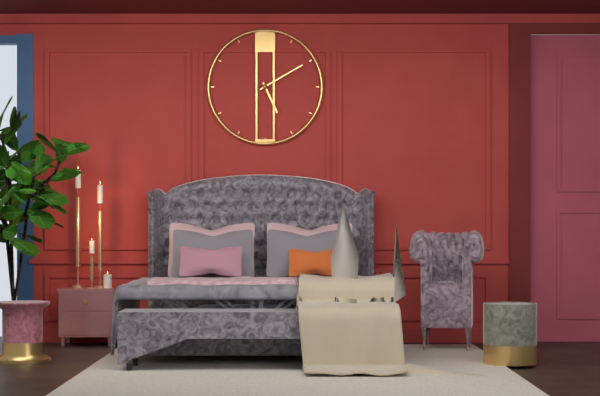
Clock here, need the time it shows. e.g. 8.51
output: 5.10
